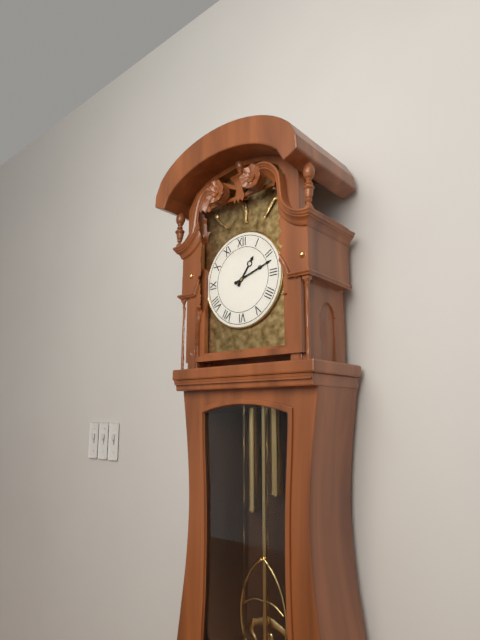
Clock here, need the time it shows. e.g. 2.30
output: 1.12
